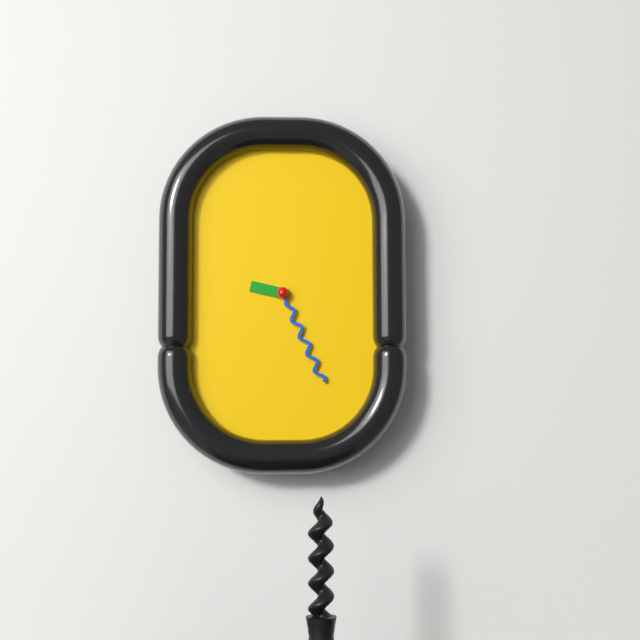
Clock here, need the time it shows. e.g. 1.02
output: 9.26
